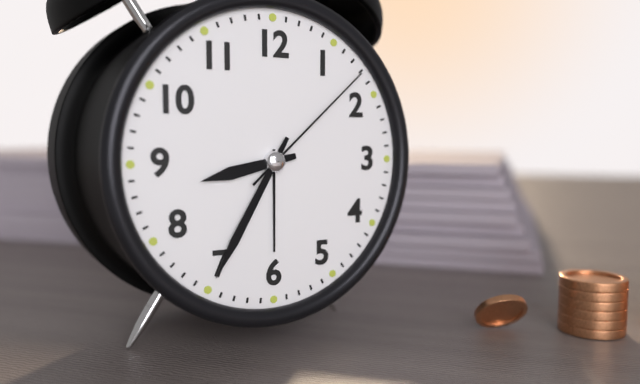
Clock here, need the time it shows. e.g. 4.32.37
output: 8.35.08
